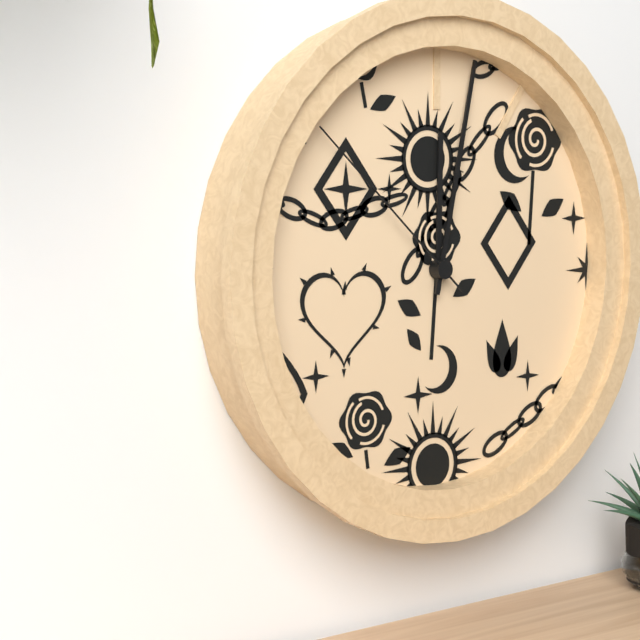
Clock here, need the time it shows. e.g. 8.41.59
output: 12.02.52
